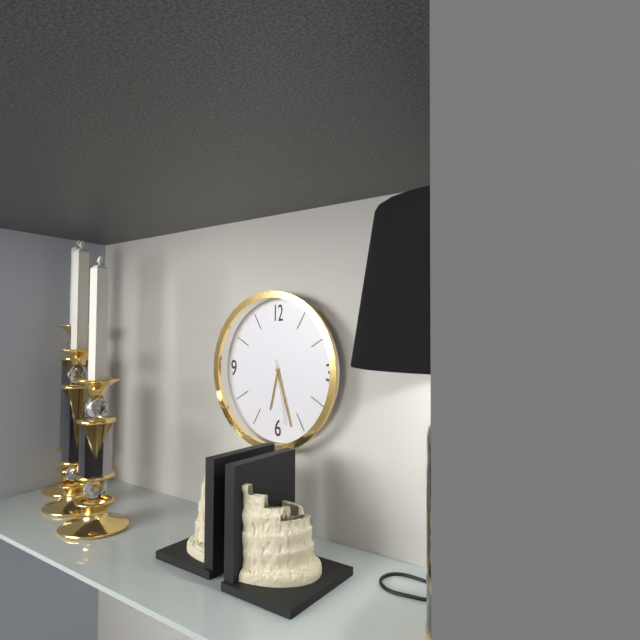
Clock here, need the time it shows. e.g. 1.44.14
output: 6.27.28
